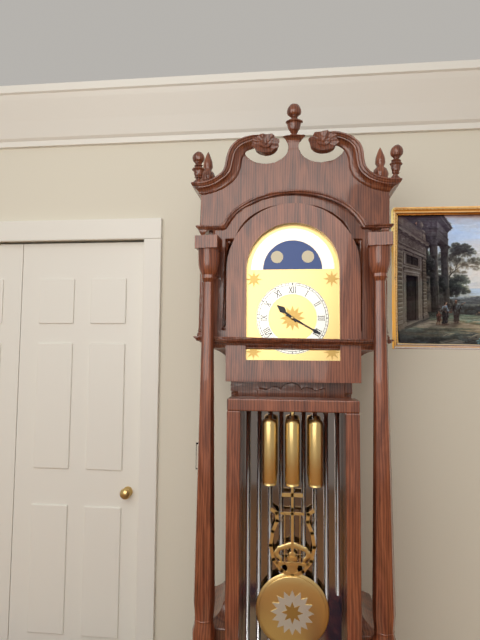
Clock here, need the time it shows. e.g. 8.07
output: 10.20
